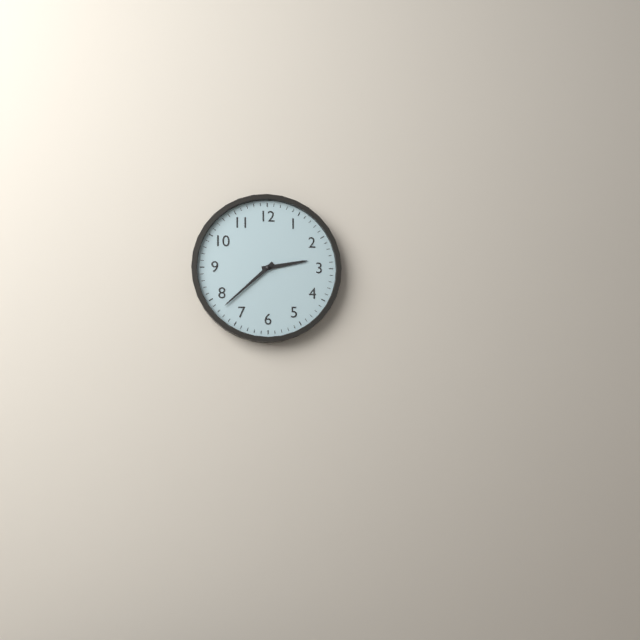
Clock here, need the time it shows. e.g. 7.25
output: 2.38
